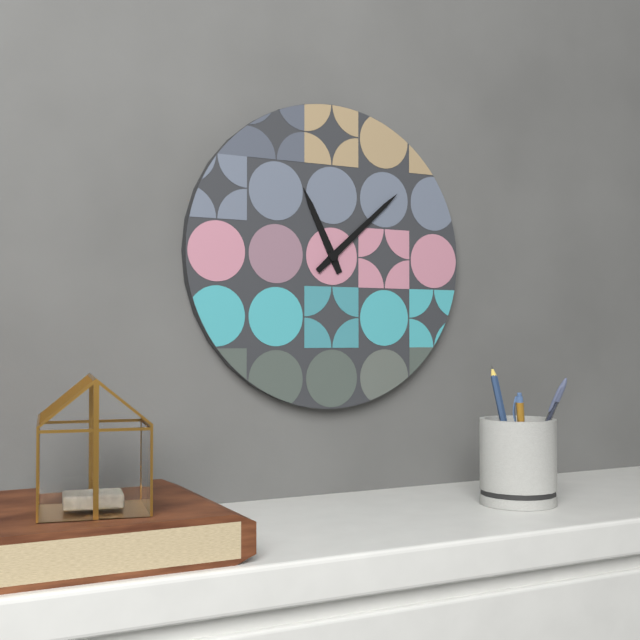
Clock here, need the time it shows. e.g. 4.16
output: 11.08
